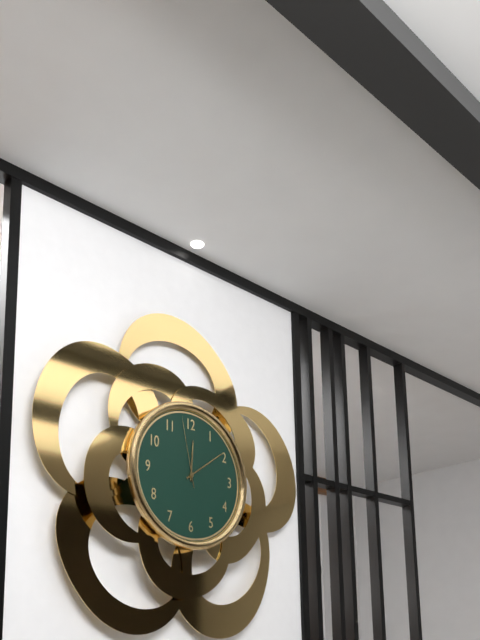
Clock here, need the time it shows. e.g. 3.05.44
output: 12.09.58
